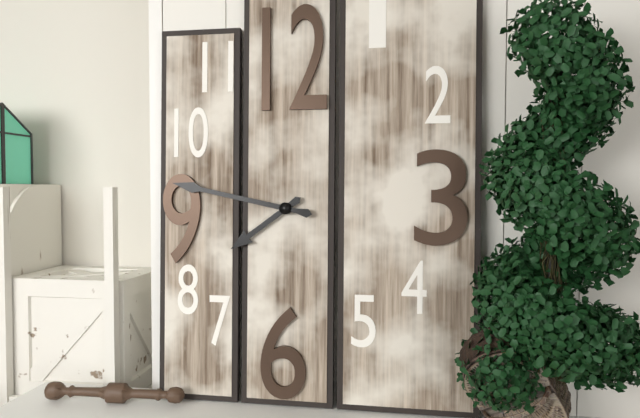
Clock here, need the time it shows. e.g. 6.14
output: 7.47
